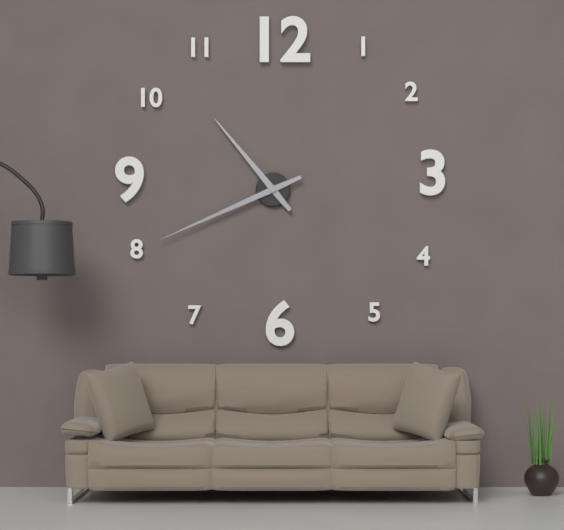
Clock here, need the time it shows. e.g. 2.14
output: 10.41
